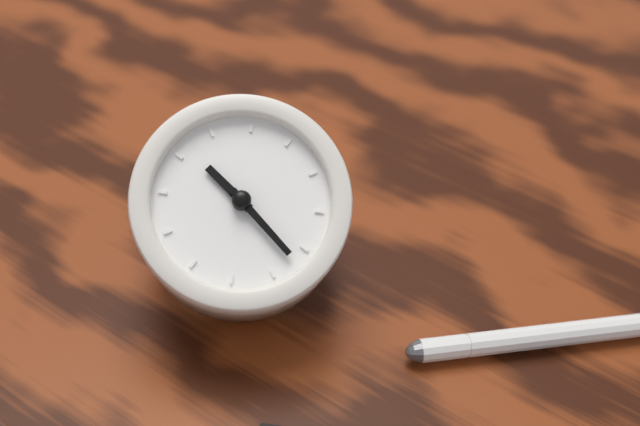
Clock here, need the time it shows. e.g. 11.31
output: 9.17
